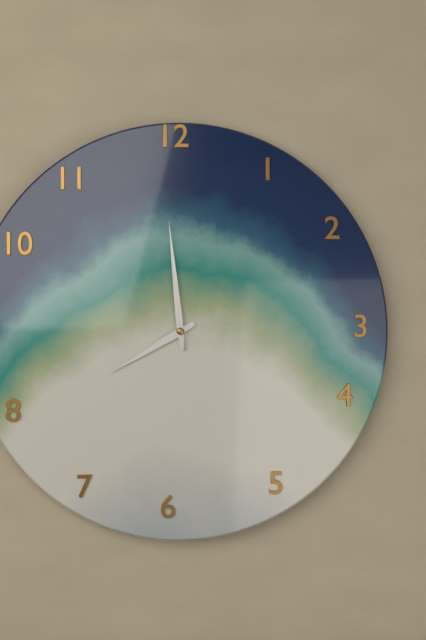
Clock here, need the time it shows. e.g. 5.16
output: 7.59
